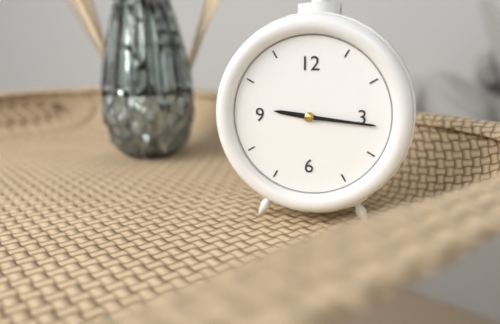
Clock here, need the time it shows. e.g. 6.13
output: 9.16
